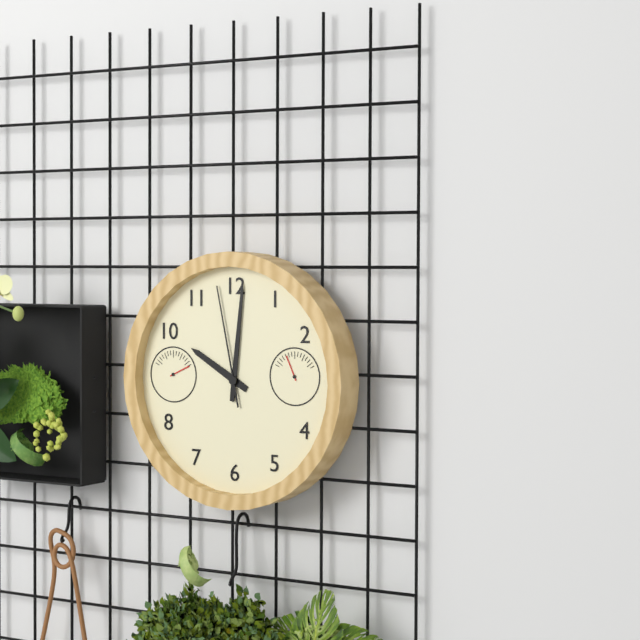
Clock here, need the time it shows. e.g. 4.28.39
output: 10.01.58
